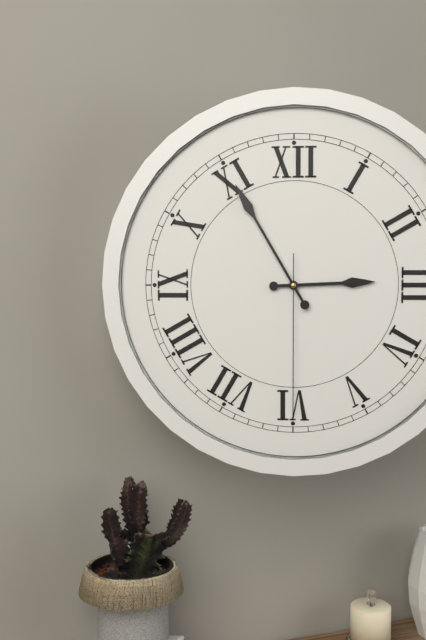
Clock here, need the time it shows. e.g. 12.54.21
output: 2.55.30
